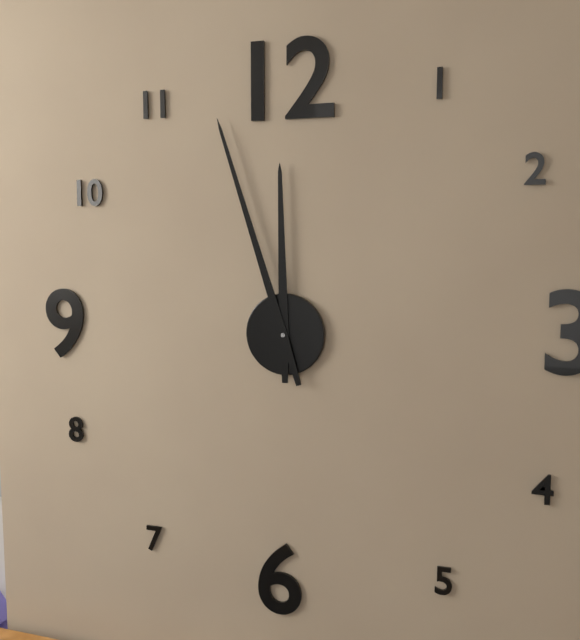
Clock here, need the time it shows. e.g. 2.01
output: 11.57
